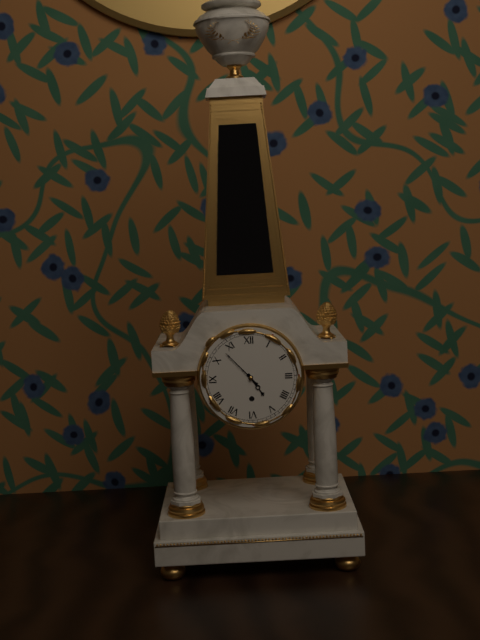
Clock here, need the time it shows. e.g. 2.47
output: 4.53
